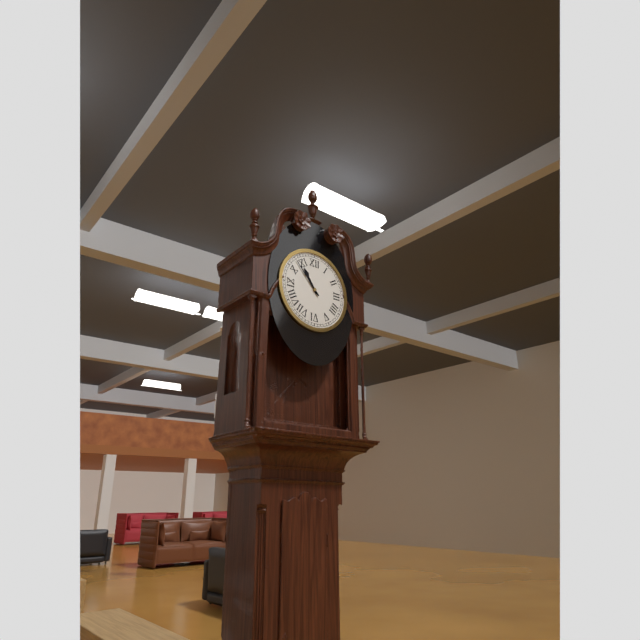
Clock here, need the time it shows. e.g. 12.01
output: 10.53
